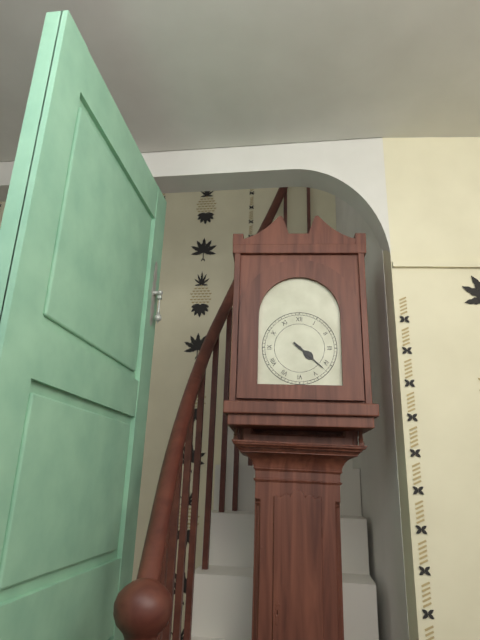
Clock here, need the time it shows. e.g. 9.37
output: 4.22
